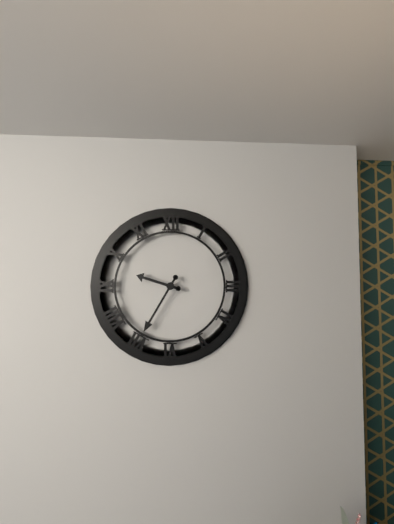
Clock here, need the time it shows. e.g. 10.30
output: 9.35
